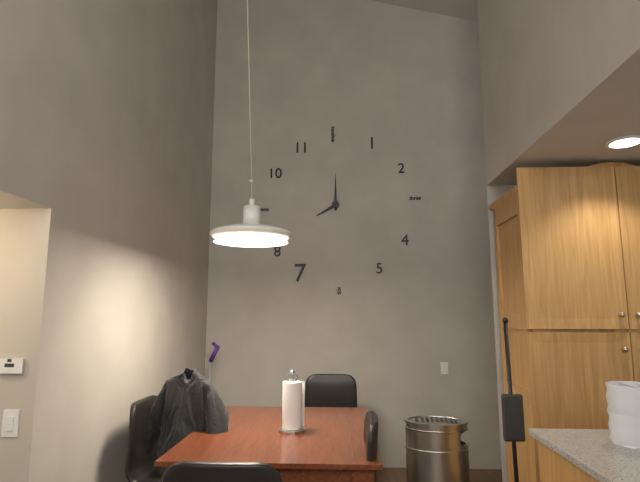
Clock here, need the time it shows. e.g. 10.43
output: 8.00
